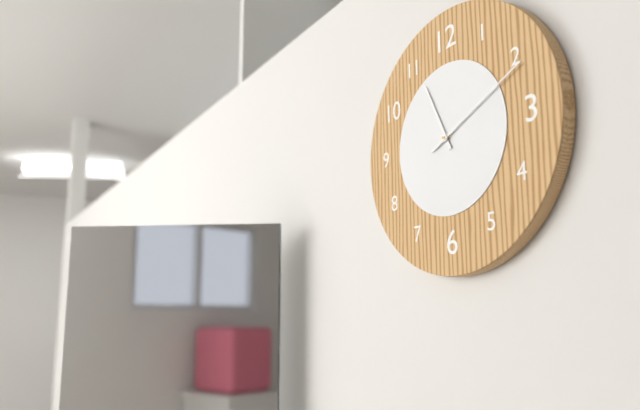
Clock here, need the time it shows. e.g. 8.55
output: 11.11
